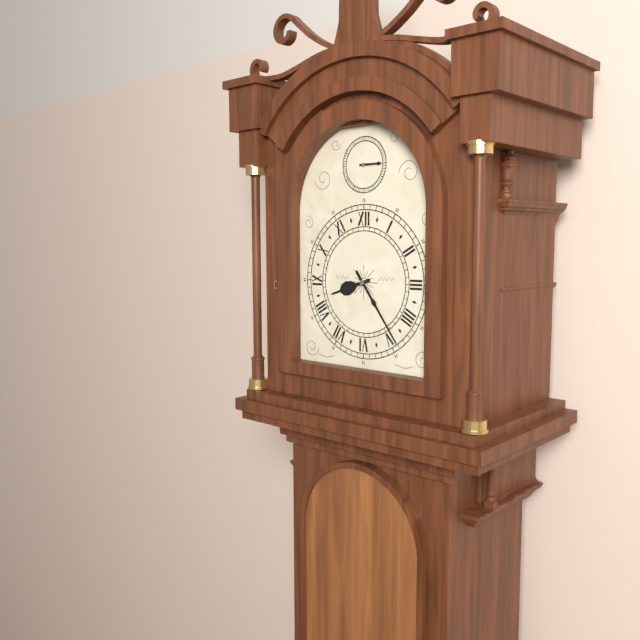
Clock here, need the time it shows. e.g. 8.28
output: 8.24
